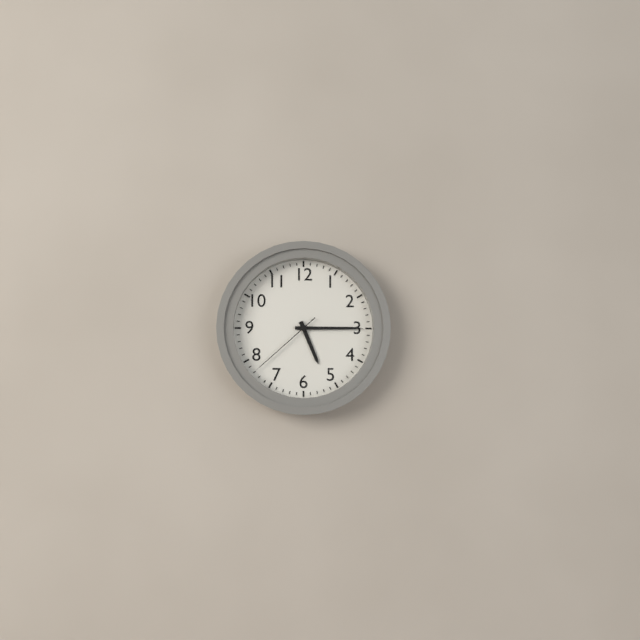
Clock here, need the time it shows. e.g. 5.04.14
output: 5.15.38
